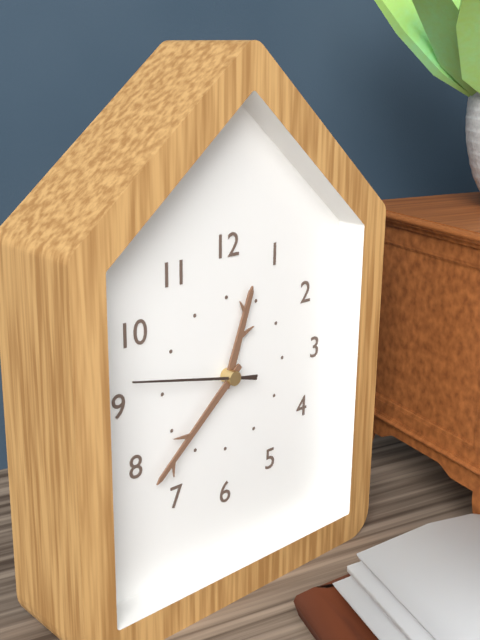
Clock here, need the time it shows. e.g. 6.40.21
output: 12.38.47
